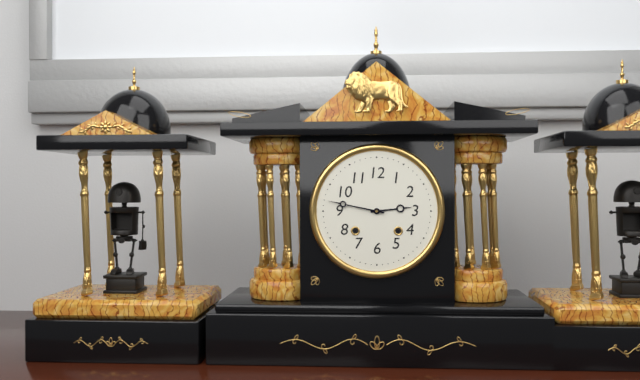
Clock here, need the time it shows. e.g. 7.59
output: 2.47
